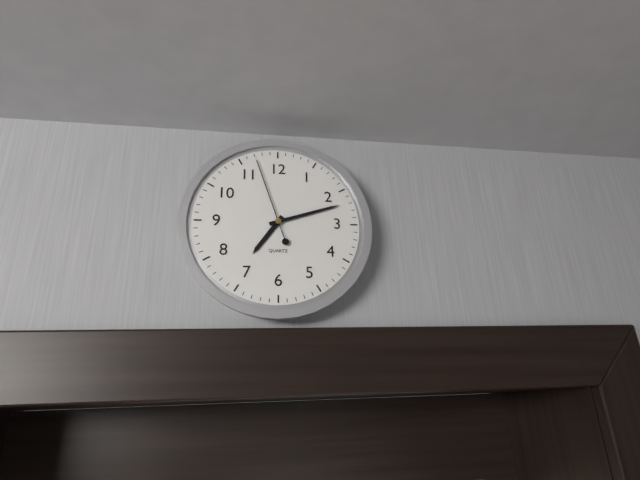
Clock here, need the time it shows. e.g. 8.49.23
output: 7.12.57
